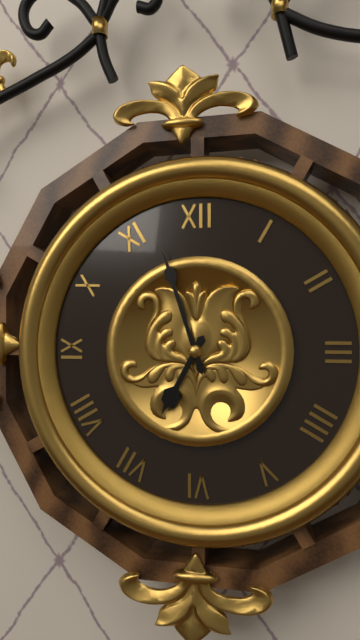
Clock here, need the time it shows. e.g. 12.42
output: 6.57
